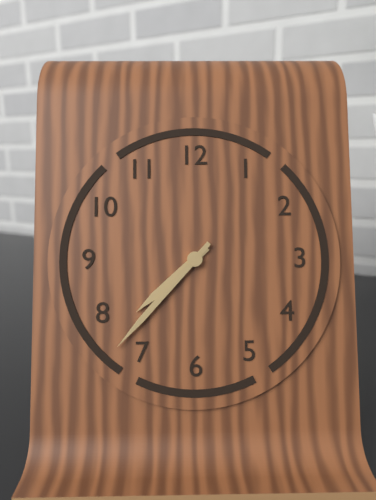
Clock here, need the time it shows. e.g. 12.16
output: 7.37
